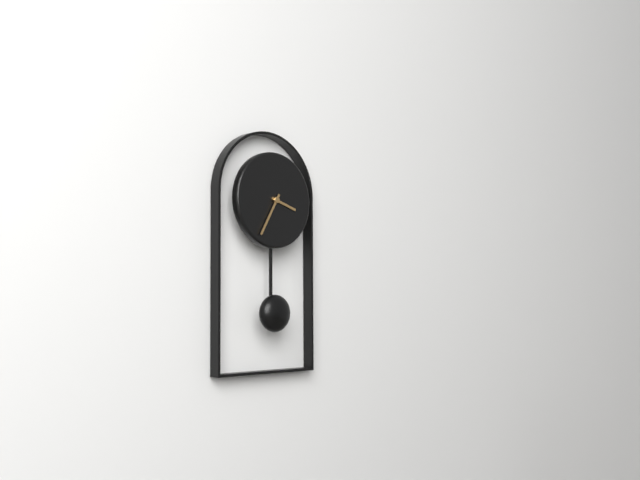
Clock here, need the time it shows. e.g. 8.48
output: 3.35
